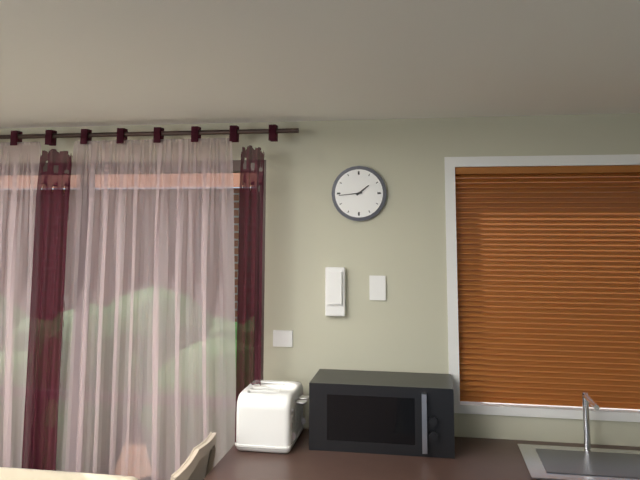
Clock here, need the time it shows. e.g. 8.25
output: 1.44
